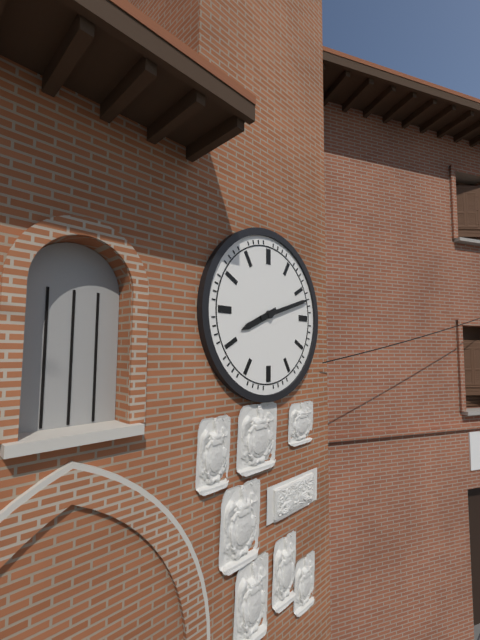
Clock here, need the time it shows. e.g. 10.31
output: 8.12
